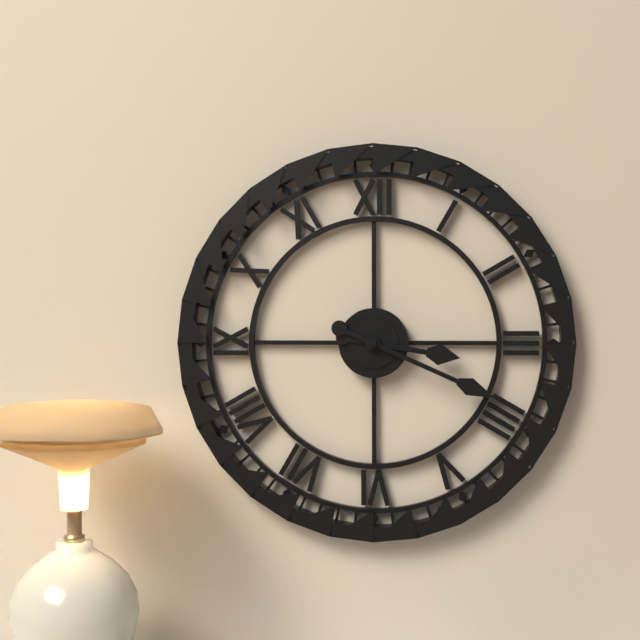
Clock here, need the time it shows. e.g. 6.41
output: 3.19
